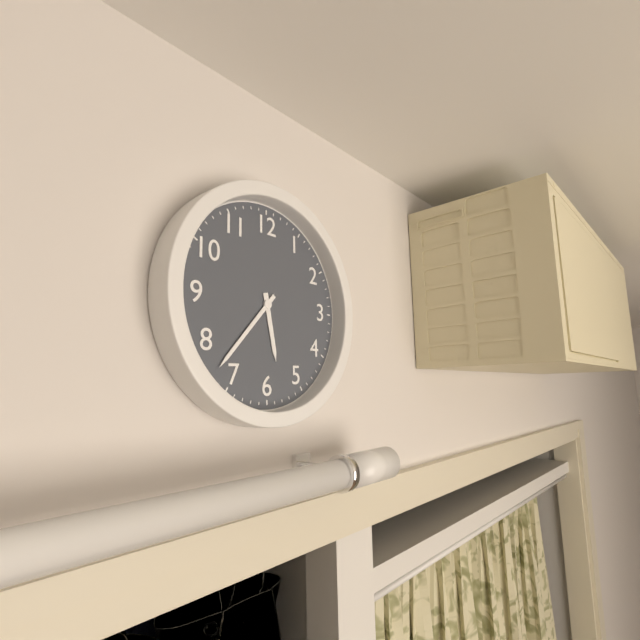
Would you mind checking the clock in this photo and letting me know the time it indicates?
5:37
